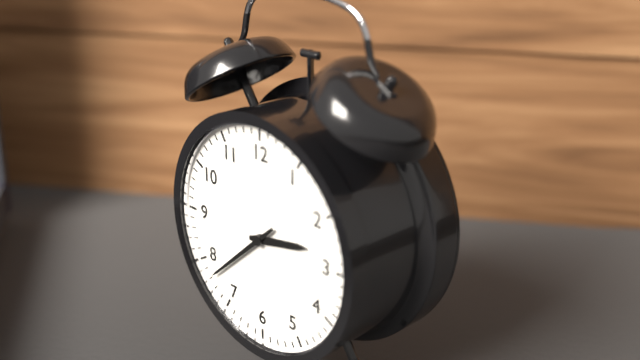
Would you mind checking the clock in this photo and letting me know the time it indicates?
2:38
